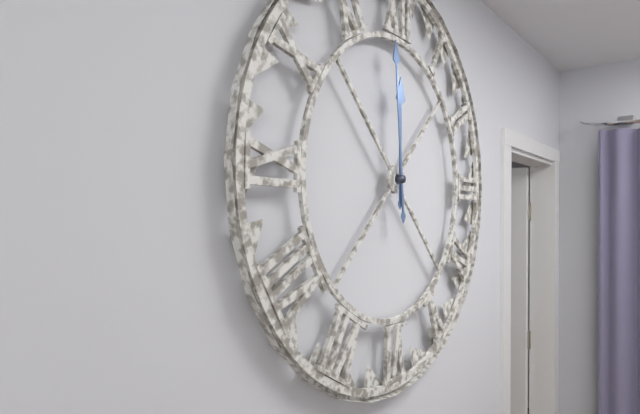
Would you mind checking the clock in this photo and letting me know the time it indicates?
11:59
